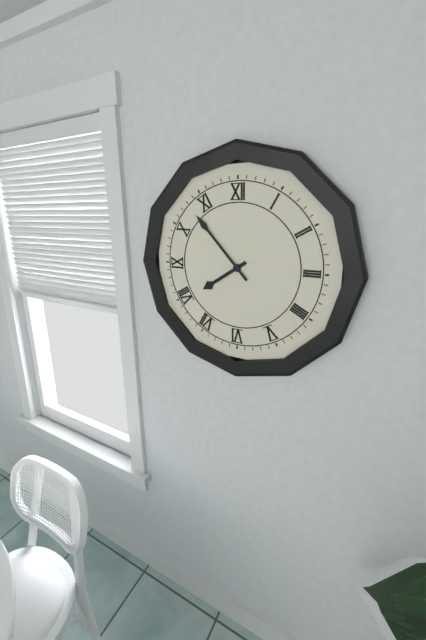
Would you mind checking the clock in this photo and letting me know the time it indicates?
7:53
